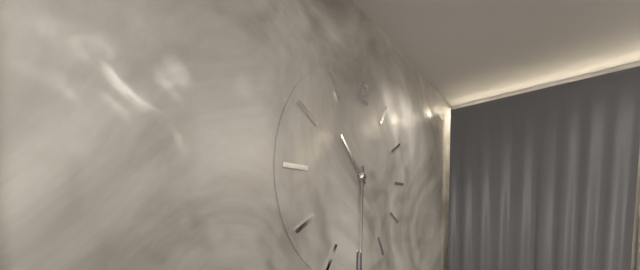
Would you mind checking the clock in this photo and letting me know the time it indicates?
10:30
